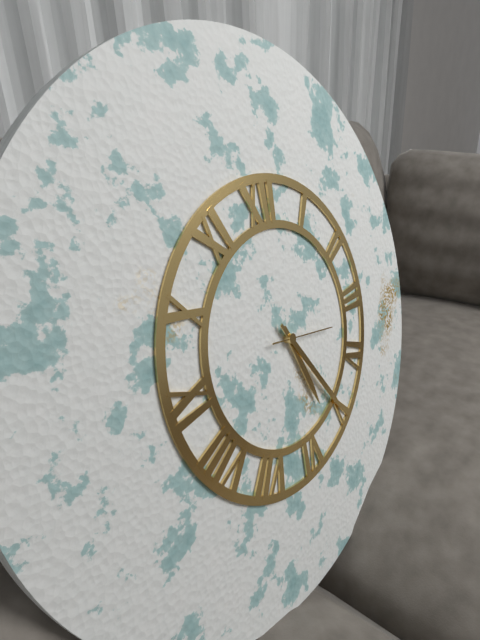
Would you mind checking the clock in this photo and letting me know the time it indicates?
5:25:17
